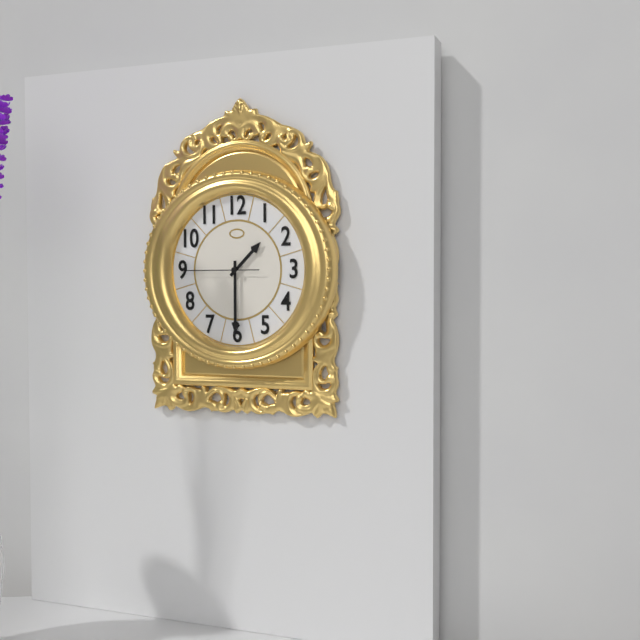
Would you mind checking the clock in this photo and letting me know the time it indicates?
1:30:45
